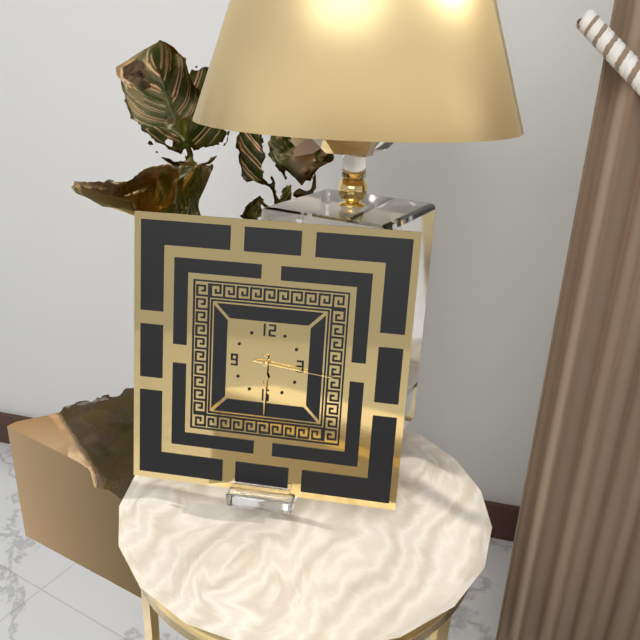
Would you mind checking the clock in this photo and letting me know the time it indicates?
6:30:16
